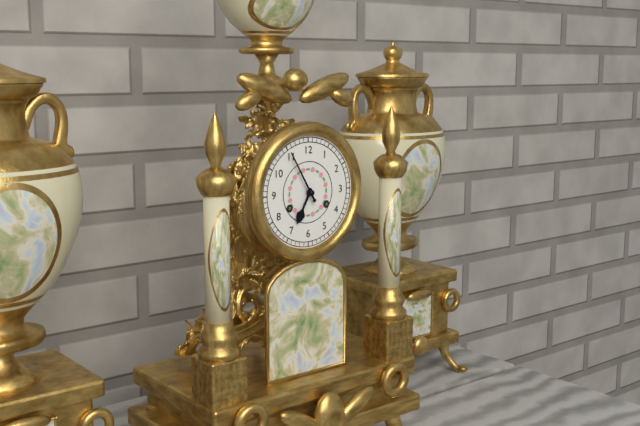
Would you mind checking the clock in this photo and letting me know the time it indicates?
6:55
